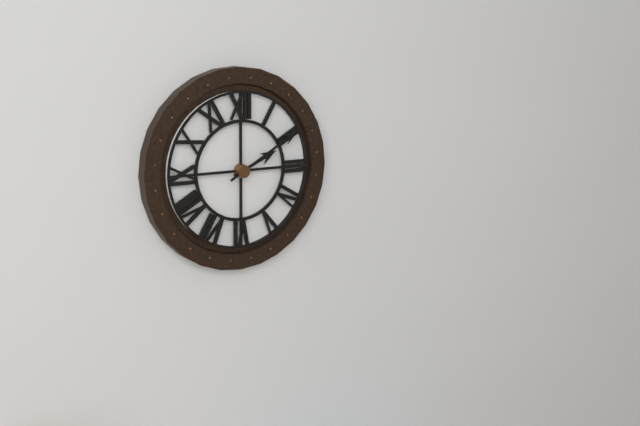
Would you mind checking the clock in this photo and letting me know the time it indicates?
2:10
